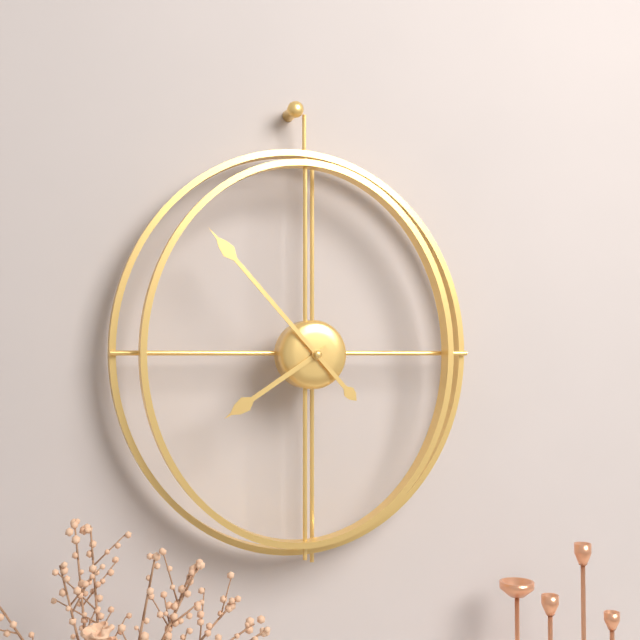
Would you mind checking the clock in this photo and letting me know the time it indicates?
7:53
